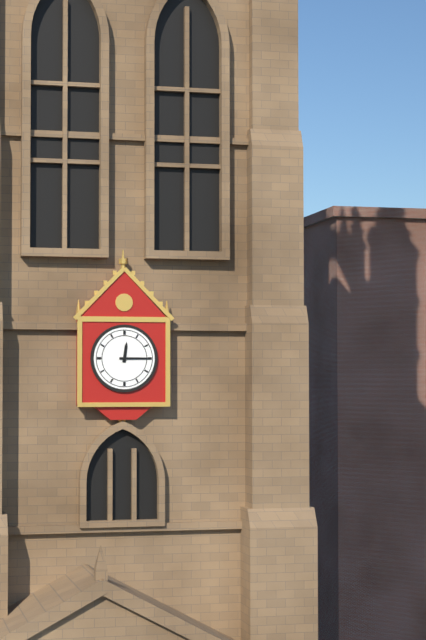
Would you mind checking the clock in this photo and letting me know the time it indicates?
12:15
